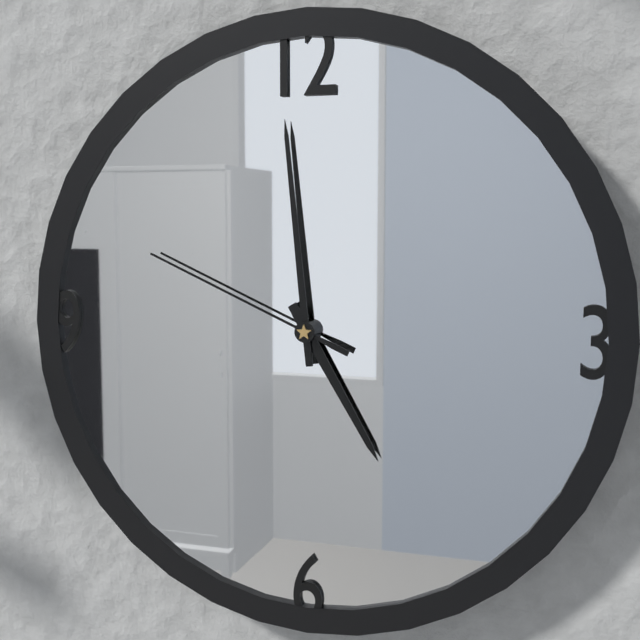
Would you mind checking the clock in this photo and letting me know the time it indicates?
4:59:49
